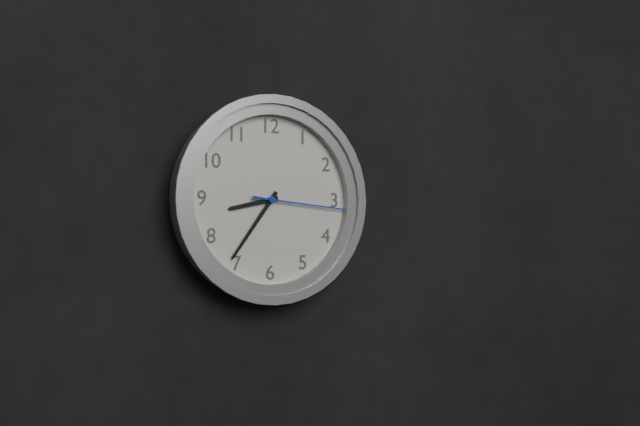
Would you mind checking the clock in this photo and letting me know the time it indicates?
8:36:16
